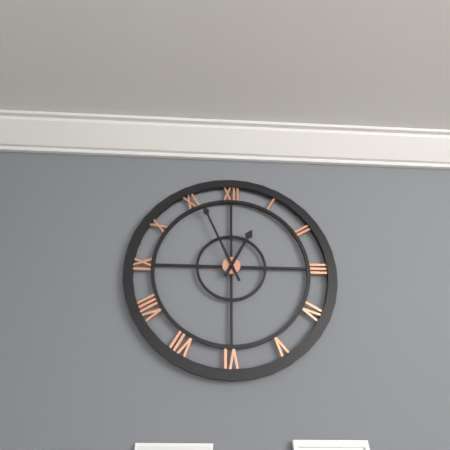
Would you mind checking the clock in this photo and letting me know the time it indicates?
12:56
